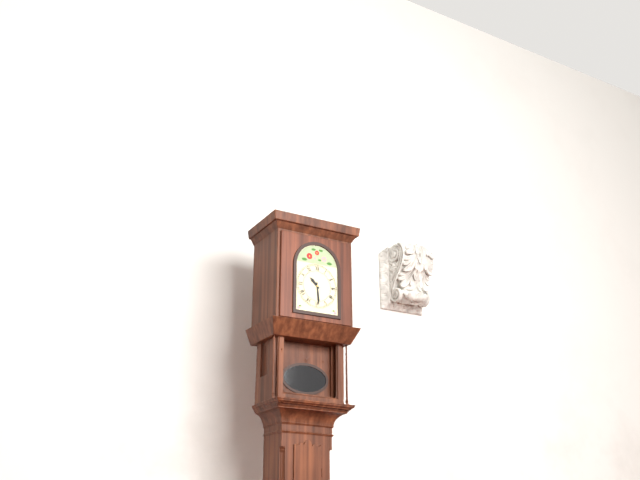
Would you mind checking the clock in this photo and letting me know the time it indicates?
10:29
